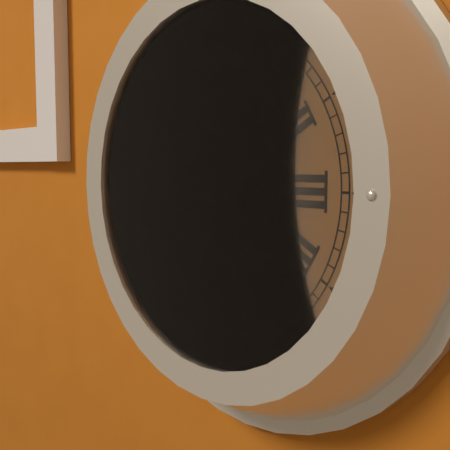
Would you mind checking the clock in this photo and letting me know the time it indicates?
11:27
